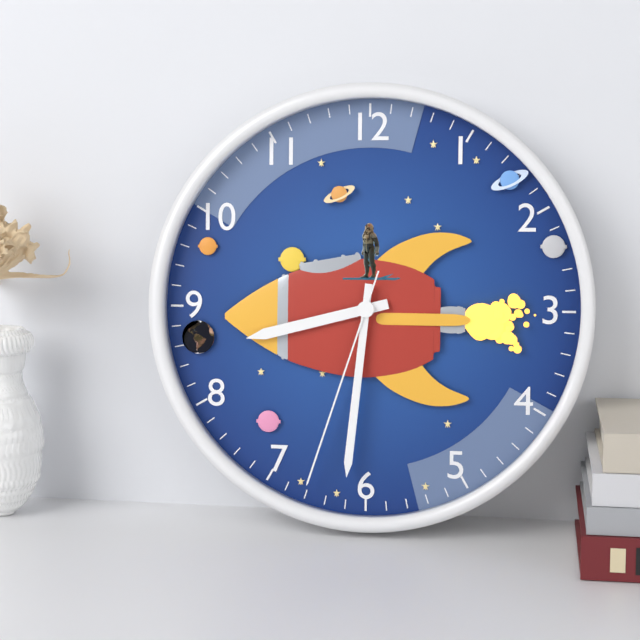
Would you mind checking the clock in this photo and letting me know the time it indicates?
8:31:33
